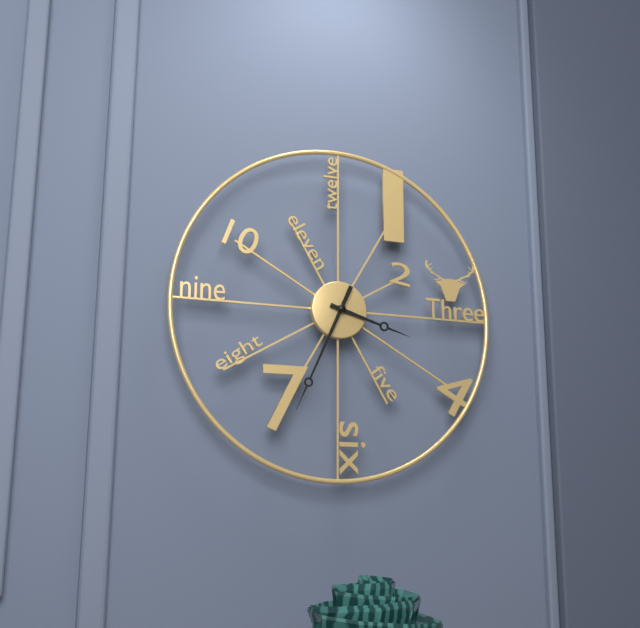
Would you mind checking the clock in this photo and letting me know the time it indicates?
3:34
